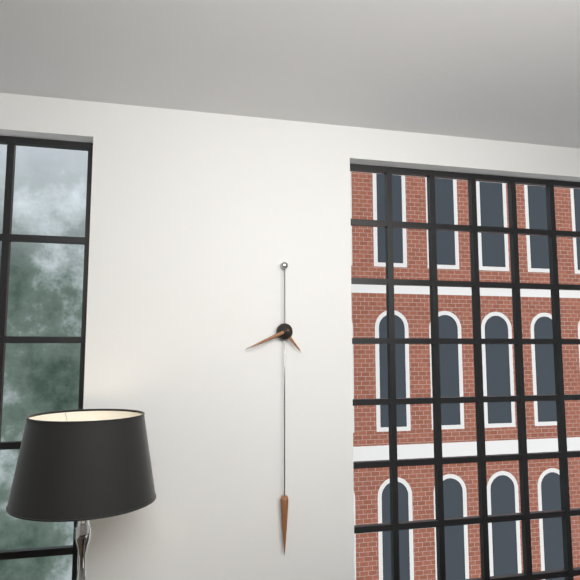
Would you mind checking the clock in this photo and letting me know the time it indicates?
4:41
